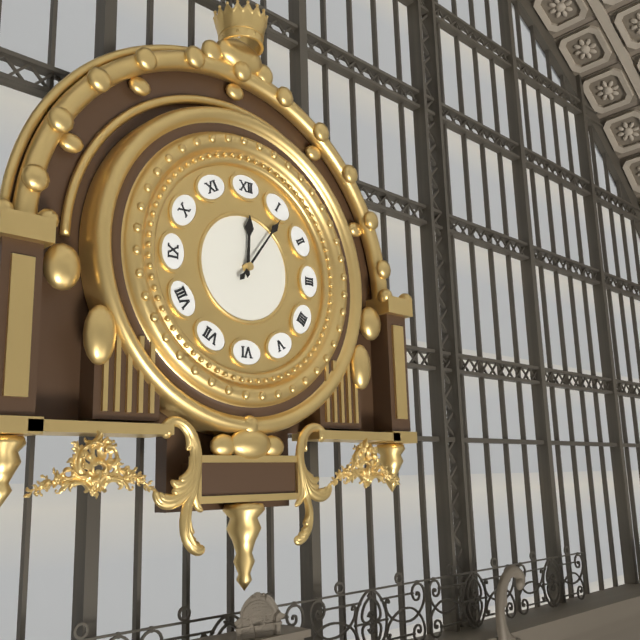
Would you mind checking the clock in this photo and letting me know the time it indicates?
12:06
